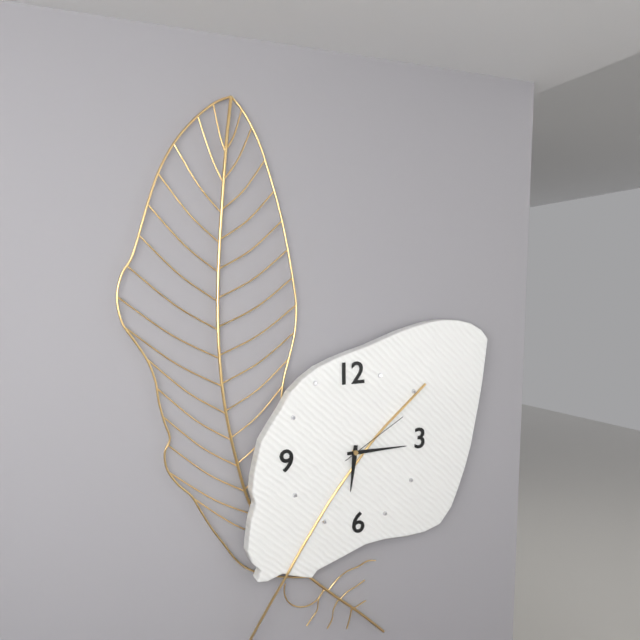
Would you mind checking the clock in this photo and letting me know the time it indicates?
6:15:10
